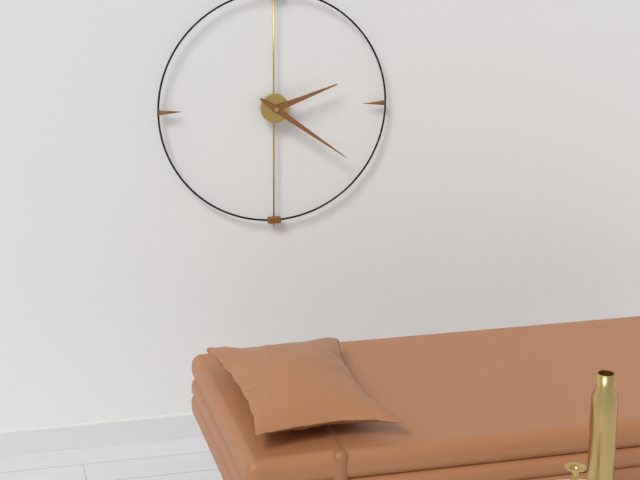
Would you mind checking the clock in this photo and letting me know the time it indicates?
2:21
